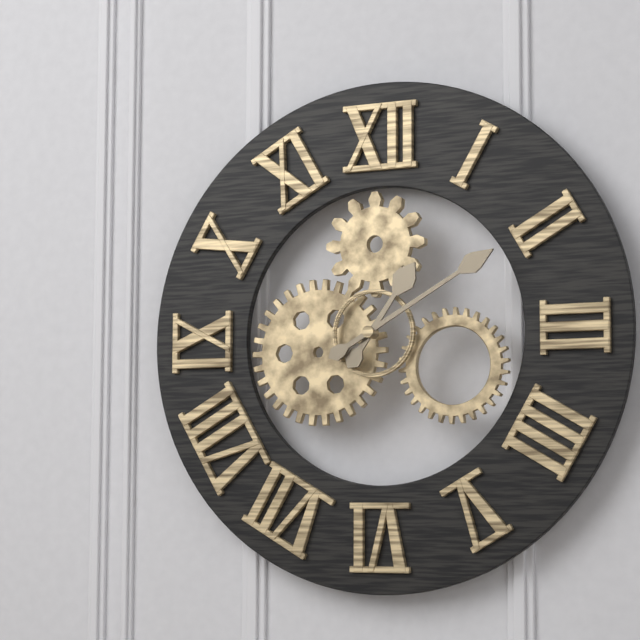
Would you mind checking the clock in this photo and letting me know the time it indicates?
1:10
